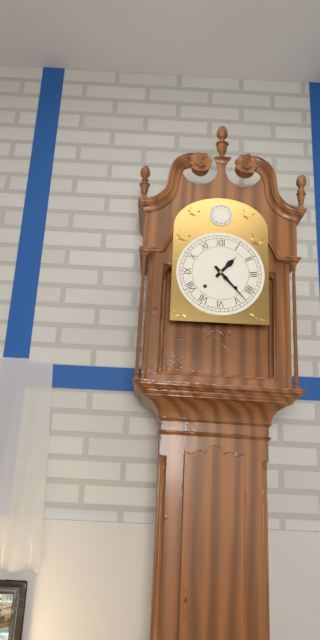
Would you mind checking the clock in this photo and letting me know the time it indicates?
1:23
